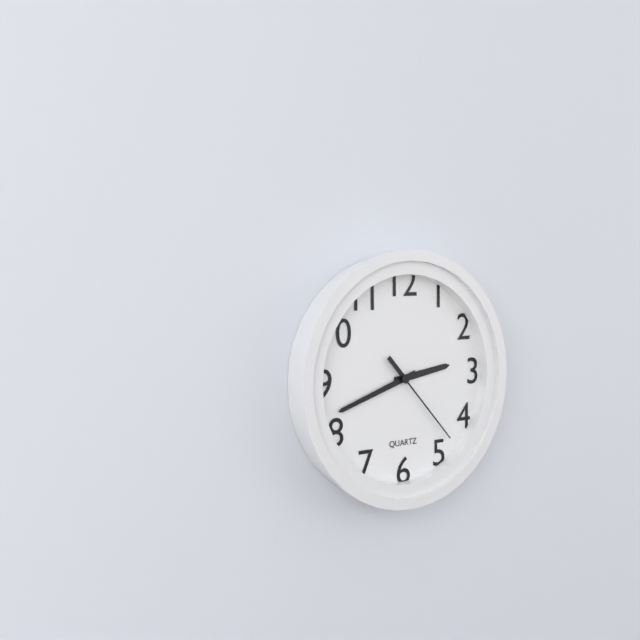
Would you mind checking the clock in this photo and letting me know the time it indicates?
2:42:23
